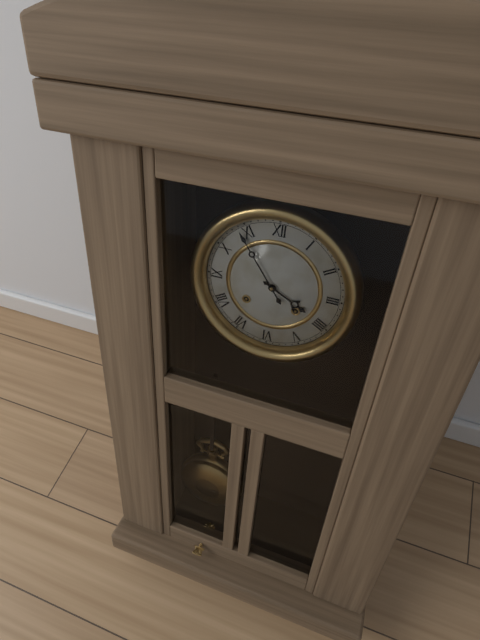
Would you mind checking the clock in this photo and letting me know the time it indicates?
3:54
